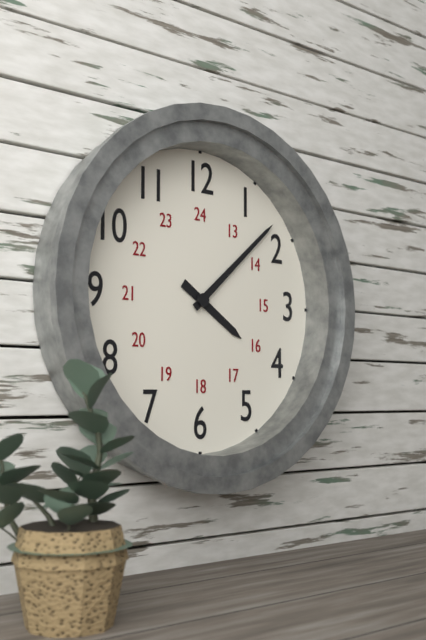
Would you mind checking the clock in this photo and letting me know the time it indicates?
4:08
